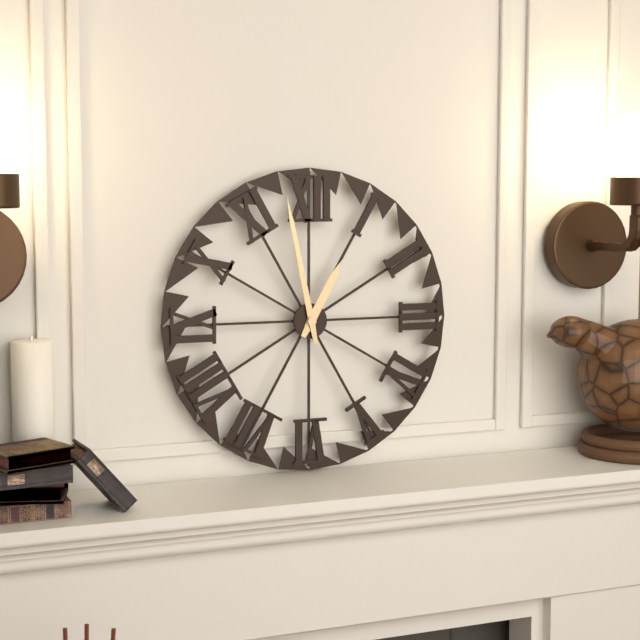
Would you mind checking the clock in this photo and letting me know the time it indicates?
12:58
